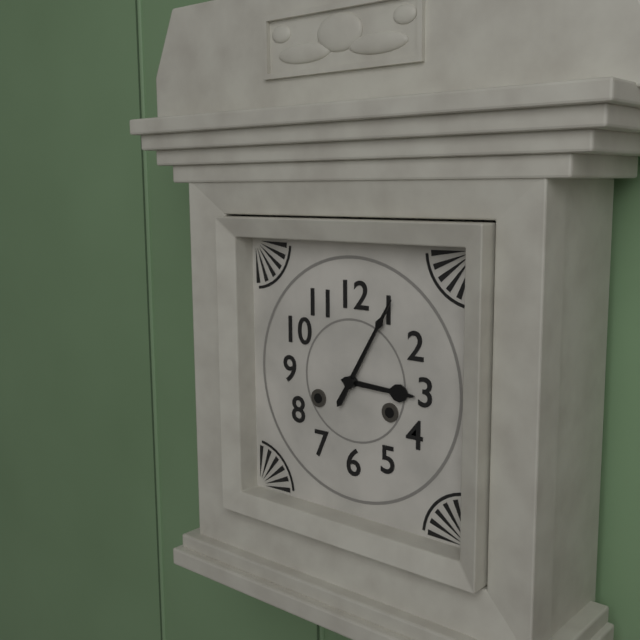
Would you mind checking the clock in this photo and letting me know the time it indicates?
3:05
